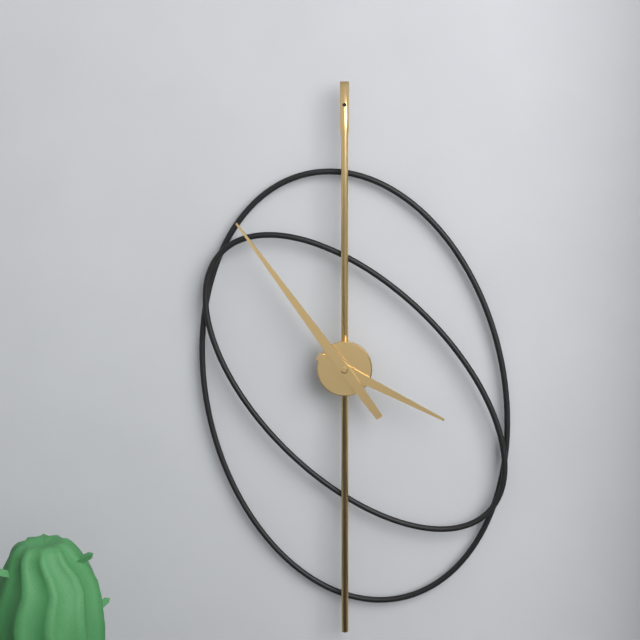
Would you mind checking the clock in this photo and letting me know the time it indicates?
3:54
